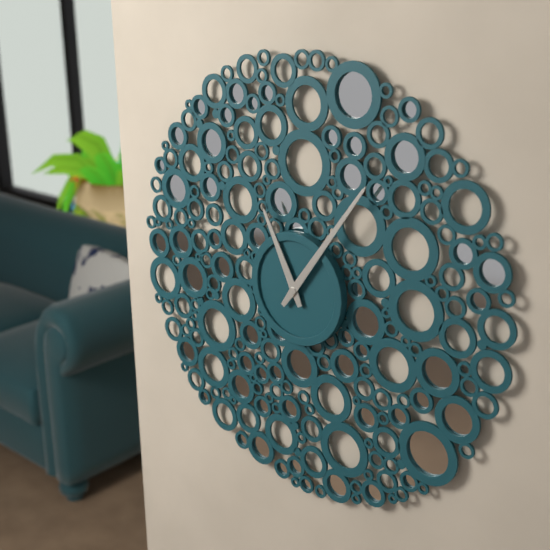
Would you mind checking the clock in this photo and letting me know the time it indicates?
11:06
